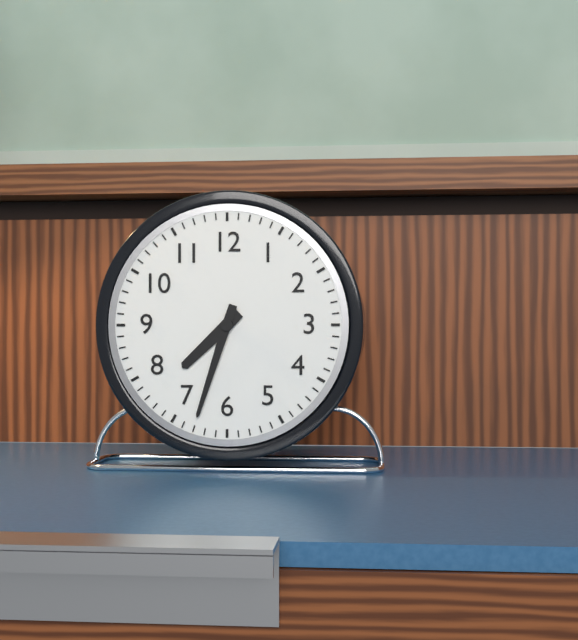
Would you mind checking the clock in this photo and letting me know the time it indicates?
7:33
